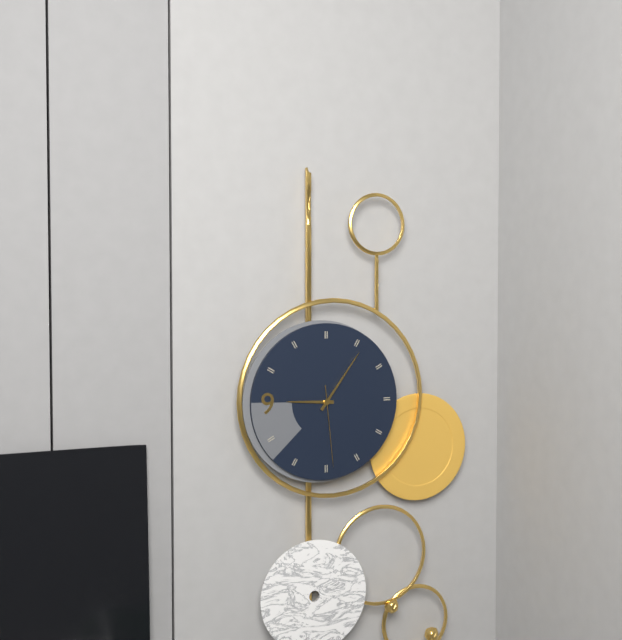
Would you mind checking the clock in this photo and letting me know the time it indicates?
9:06:29
